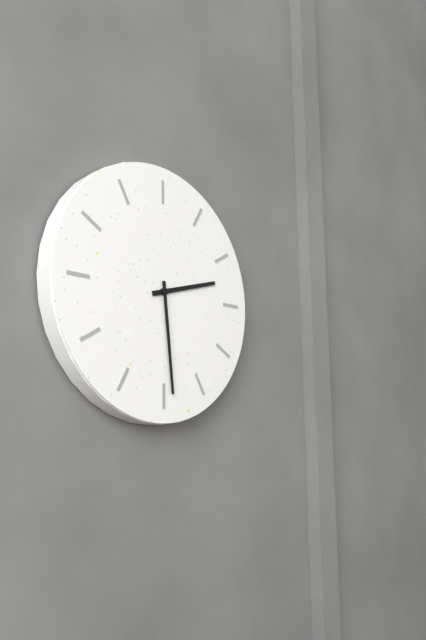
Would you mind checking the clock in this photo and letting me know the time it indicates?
2:29
